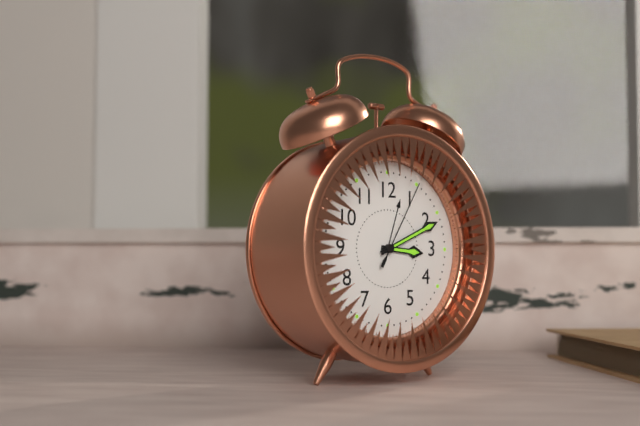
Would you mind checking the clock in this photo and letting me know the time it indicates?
3:11:05
